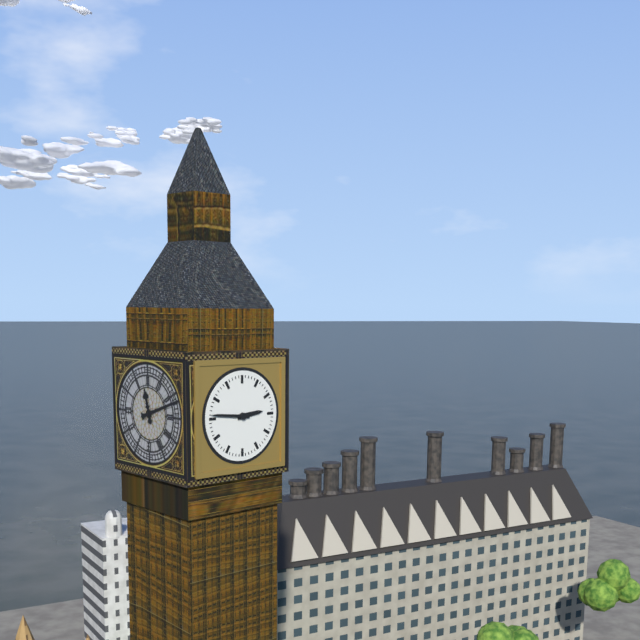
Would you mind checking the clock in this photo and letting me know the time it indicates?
2:46
